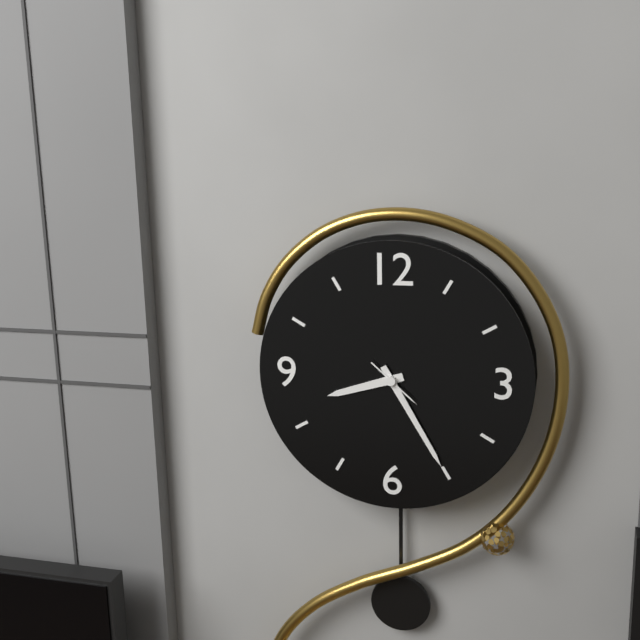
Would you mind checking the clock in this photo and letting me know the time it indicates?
8:25
